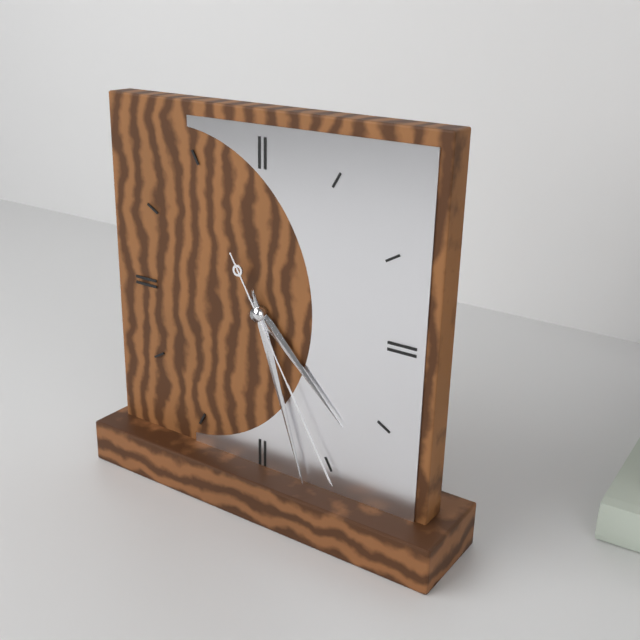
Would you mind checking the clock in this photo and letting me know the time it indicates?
4:27:25
